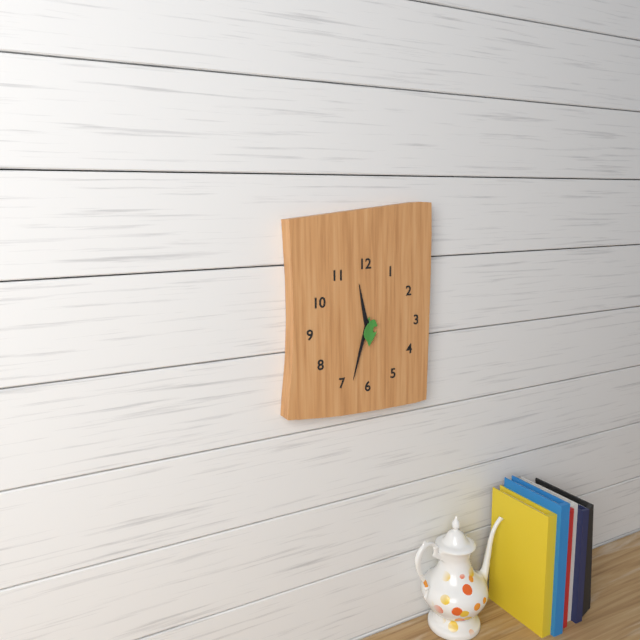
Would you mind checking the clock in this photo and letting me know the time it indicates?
11:33
